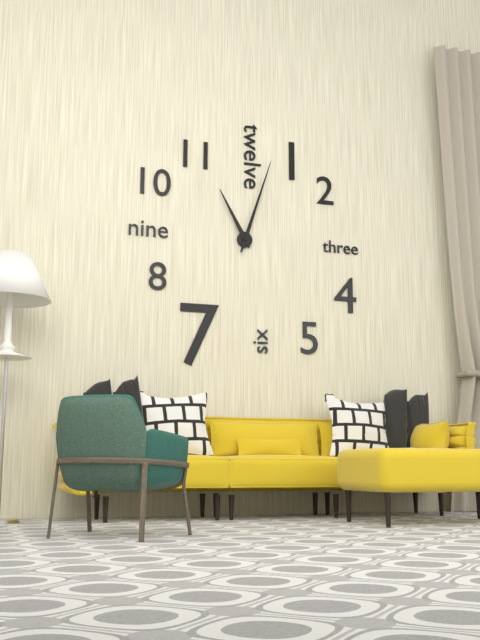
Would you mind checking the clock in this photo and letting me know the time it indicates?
11:03
